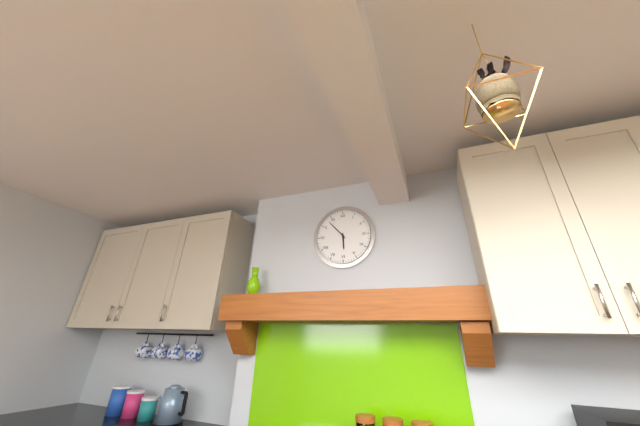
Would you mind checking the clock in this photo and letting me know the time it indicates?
5:53
